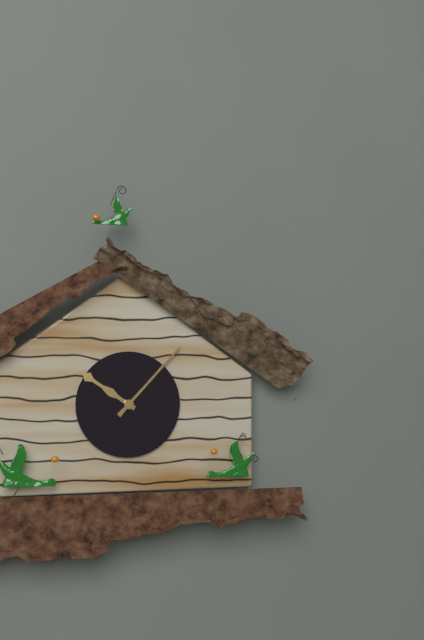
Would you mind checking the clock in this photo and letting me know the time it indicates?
10:07
